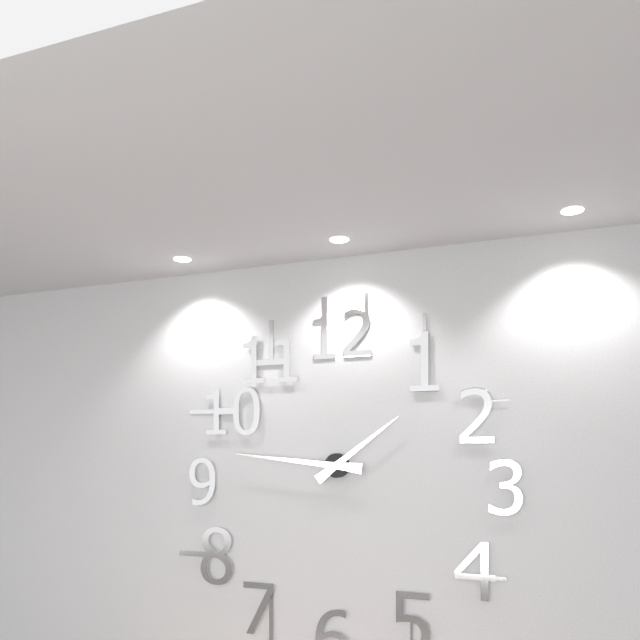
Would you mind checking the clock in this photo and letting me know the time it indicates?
1:46
